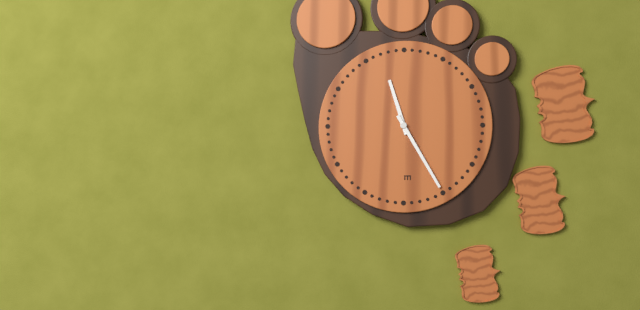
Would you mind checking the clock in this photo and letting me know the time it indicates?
11:25
